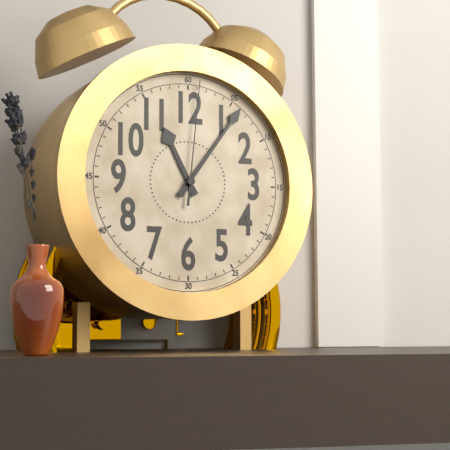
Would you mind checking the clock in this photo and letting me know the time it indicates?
11:06:01
